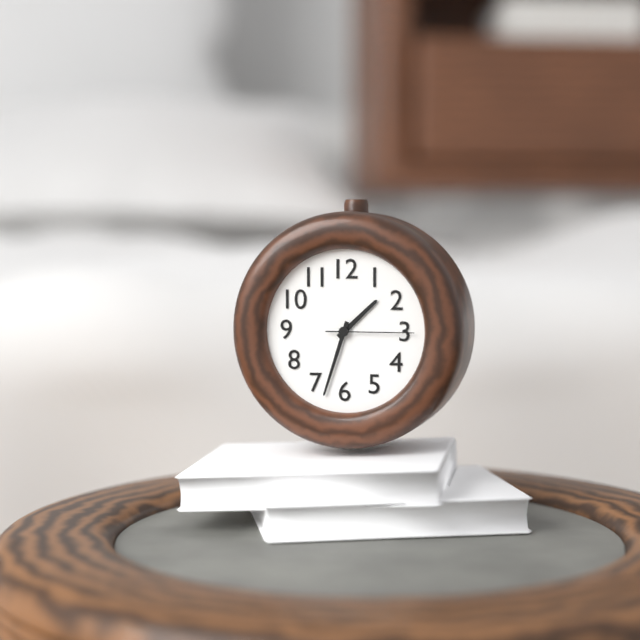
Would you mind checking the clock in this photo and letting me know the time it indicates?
1:33:15
